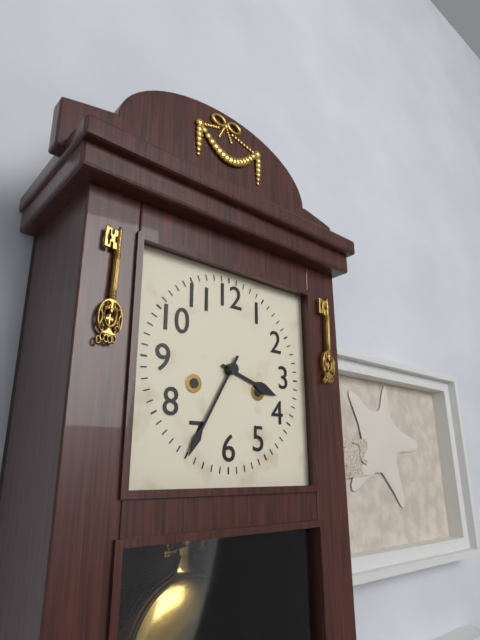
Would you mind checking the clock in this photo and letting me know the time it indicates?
3:35
